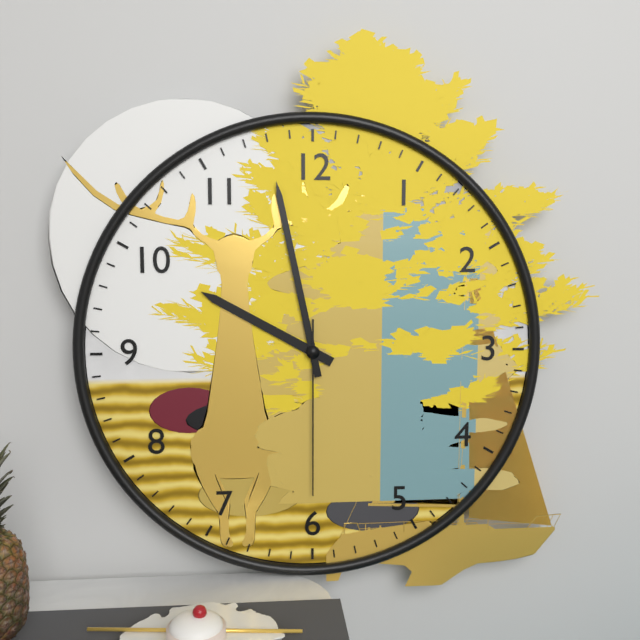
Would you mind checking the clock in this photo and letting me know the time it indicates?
9:58:30
